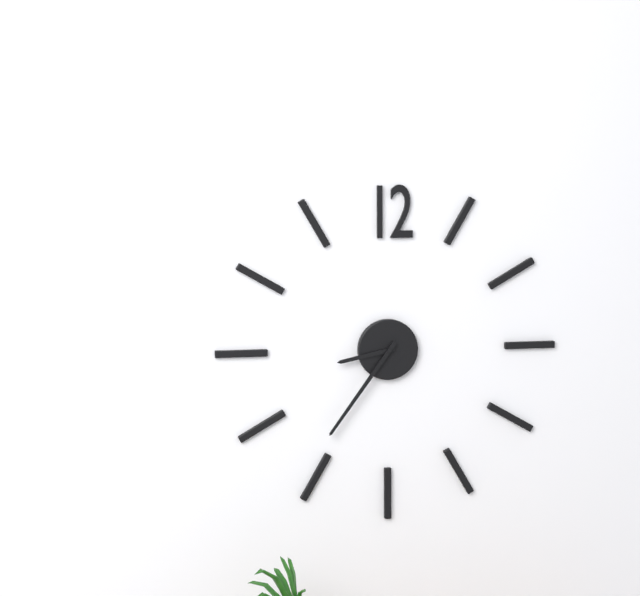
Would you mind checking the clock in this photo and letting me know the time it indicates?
8:36
